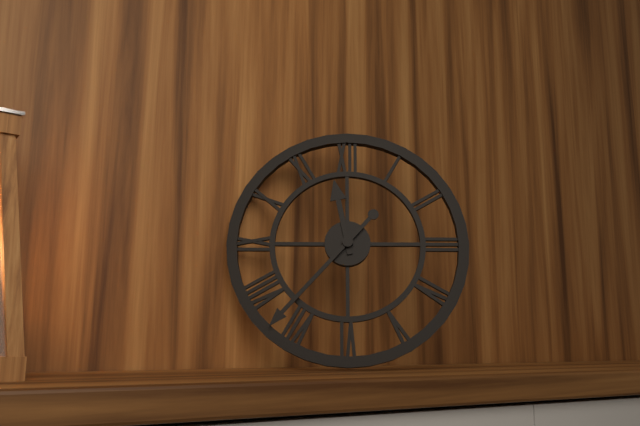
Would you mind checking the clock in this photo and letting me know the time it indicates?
11:37
